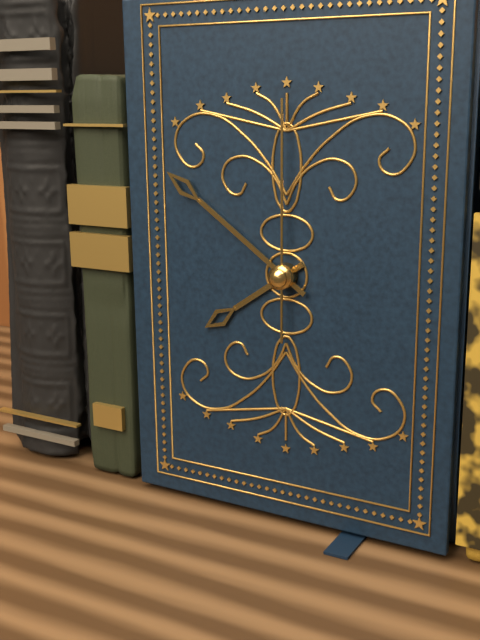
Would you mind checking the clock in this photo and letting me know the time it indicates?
7:51:00
